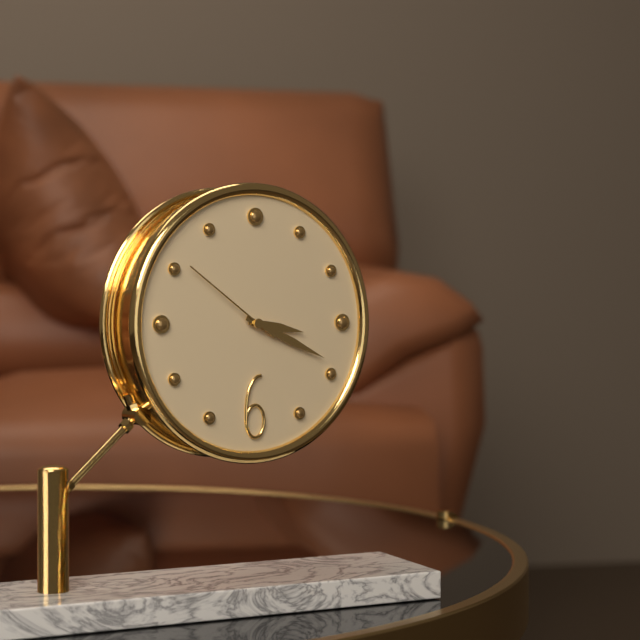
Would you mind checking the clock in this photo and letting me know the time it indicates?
3:19:51
